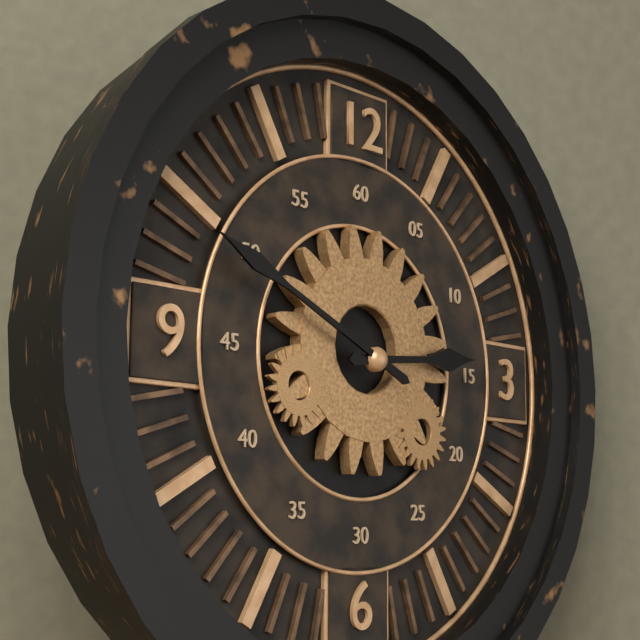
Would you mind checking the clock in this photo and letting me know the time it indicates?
2:49
